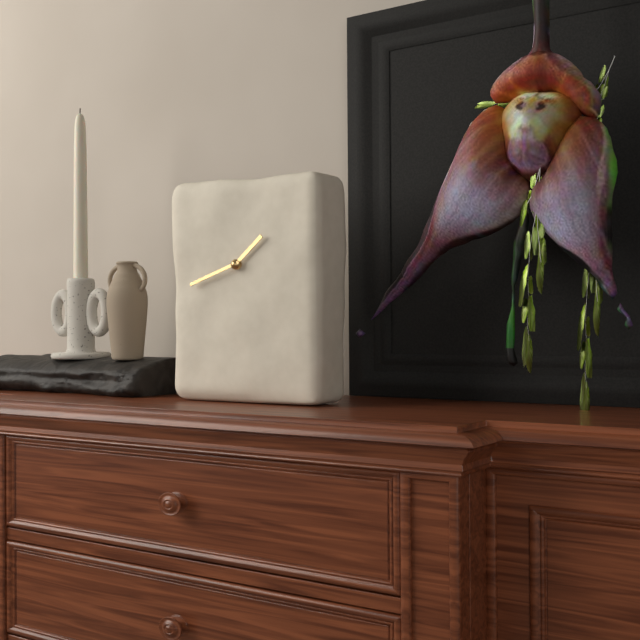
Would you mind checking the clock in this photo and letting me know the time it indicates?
1:42
